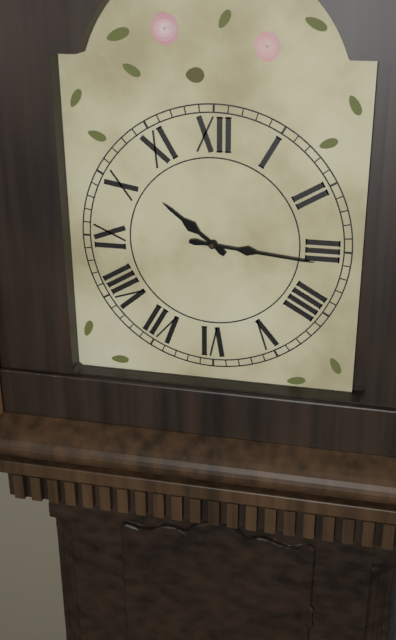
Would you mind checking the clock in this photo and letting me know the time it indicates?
10:16
